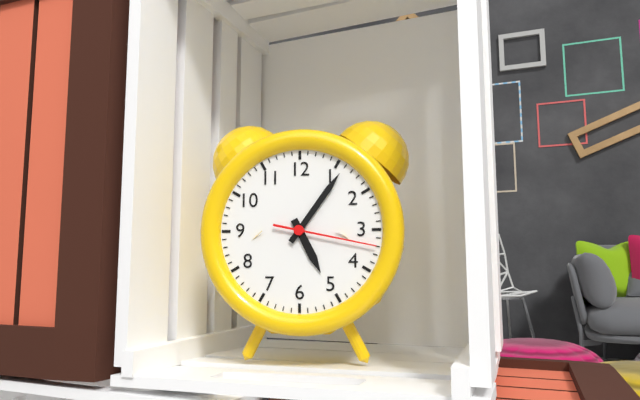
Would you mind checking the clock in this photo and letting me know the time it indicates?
5:06:17
